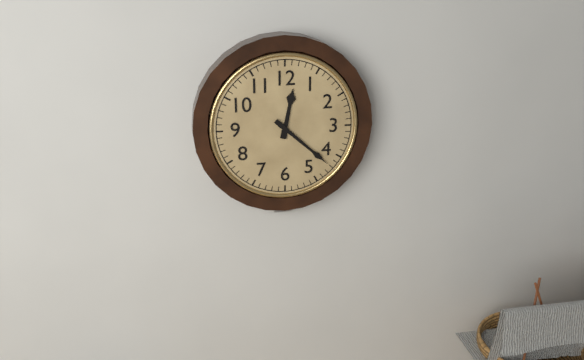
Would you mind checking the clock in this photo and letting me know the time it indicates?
12:22
